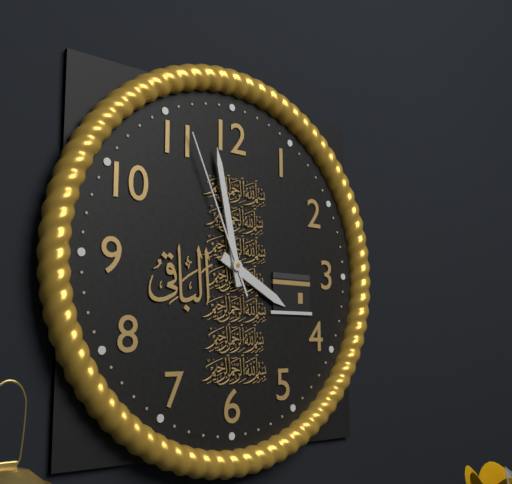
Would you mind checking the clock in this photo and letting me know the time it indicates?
3:58:56
